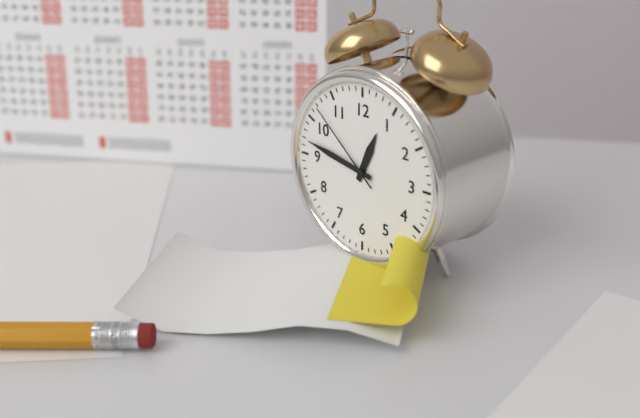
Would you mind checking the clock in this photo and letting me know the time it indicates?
12:47:52
